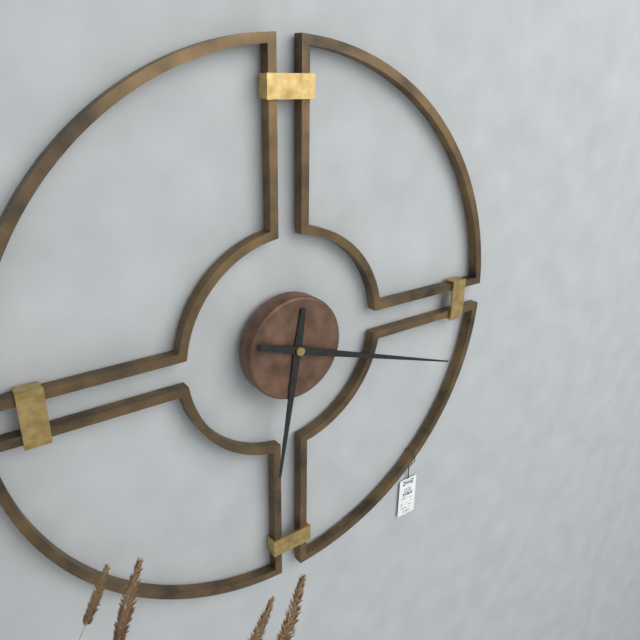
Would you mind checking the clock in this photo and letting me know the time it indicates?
6:18
